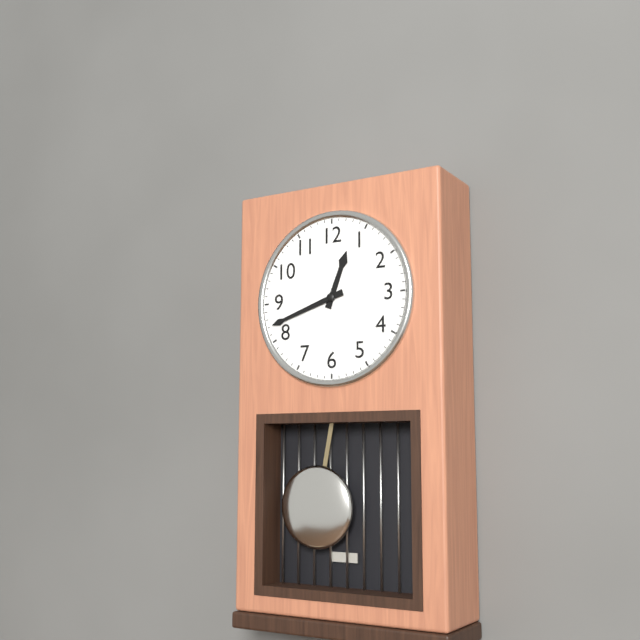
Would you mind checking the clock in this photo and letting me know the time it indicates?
12:42
